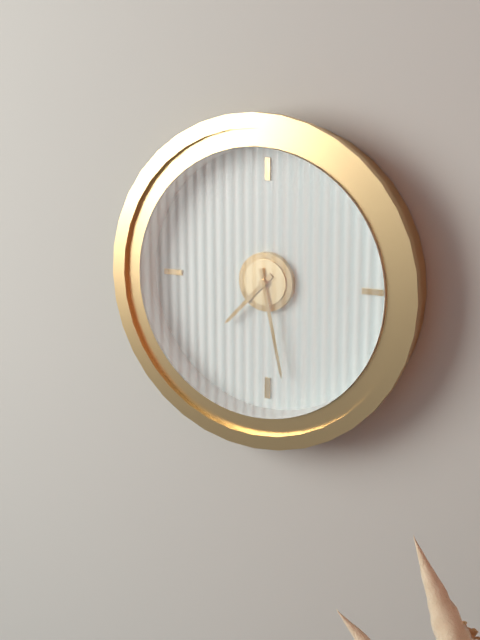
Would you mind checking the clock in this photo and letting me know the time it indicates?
7:28
